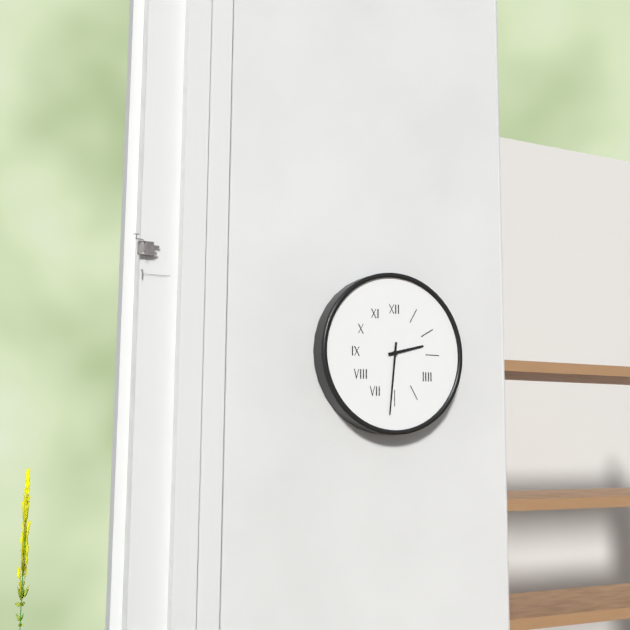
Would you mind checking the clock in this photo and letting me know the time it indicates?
2:31
